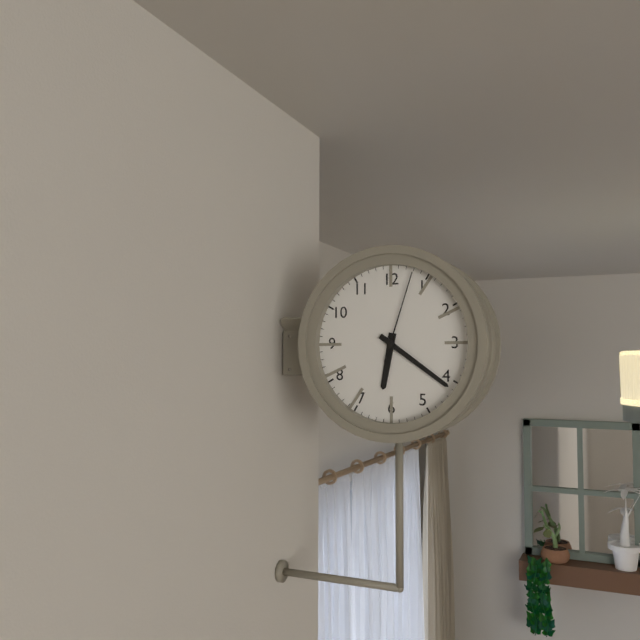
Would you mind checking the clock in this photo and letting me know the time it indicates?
6:21:03
